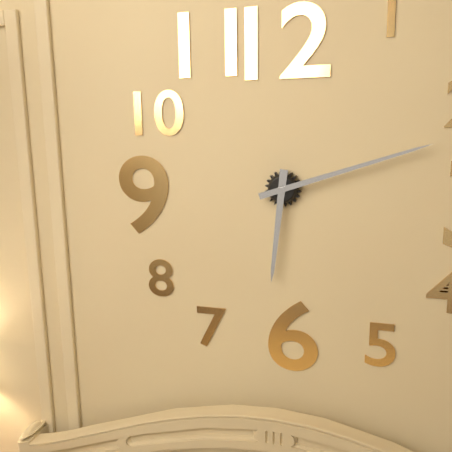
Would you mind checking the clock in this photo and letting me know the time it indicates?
6:12
